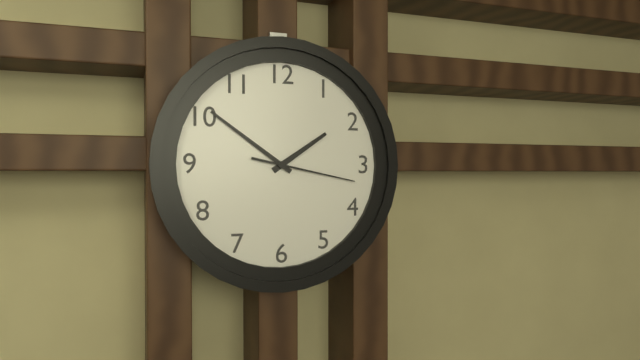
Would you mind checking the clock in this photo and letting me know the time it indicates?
1:51:17
